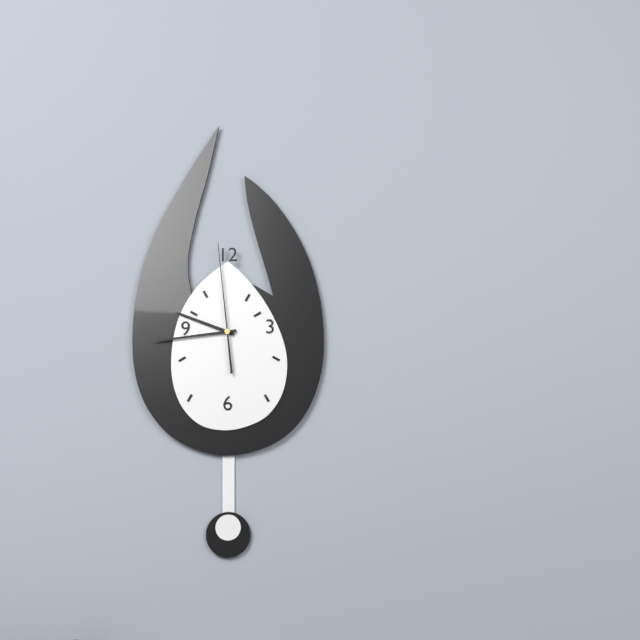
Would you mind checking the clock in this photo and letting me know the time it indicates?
9:44:59
